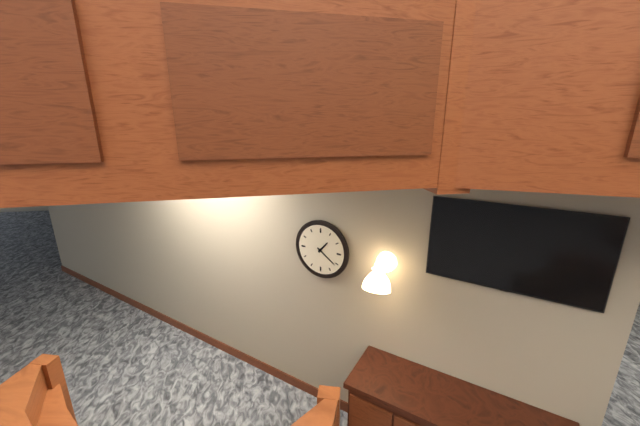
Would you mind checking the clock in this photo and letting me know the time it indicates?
1:21
